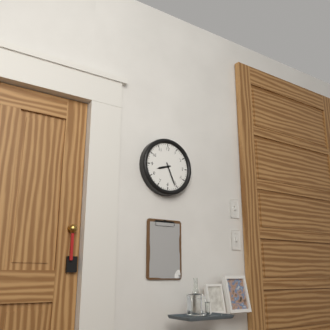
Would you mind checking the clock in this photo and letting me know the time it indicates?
8:26
